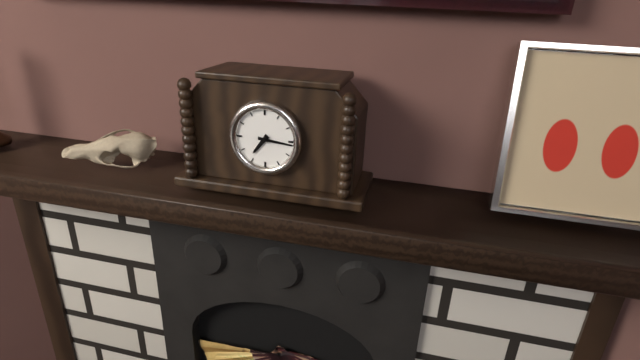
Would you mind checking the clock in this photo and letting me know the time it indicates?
7:16
